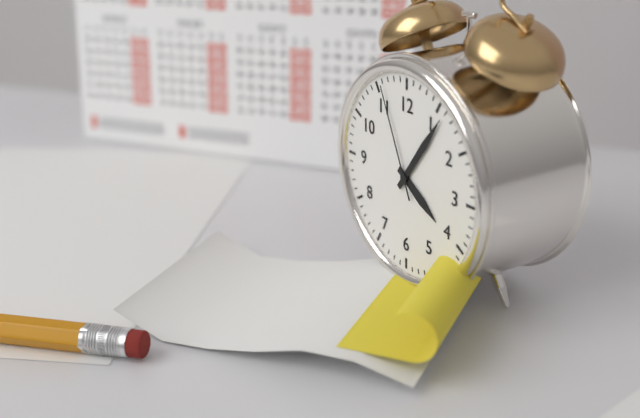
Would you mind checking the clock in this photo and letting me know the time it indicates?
4:06:56
